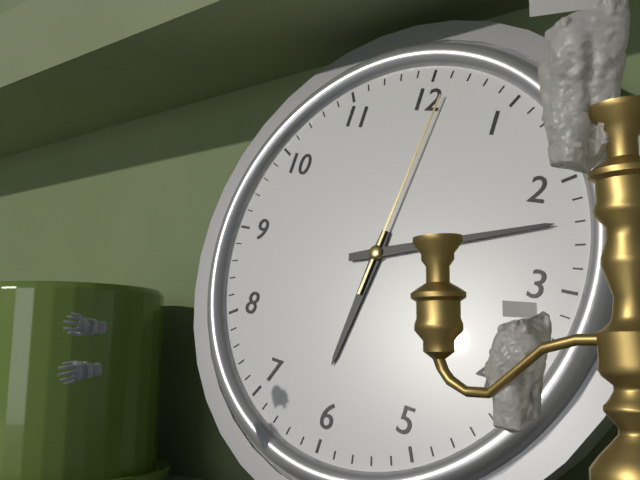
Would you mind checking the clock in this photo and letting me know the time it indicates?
6:12:01
